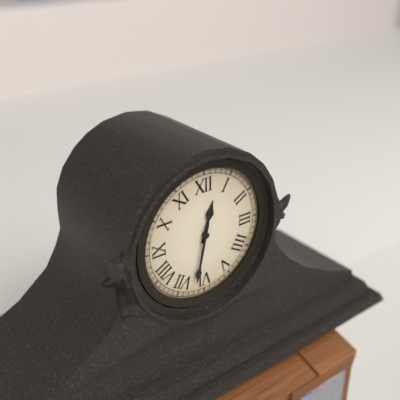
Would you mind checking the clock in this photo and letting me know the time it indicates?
12:32
